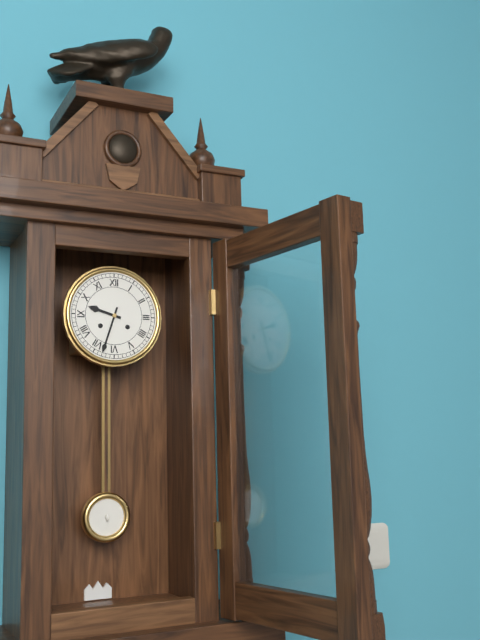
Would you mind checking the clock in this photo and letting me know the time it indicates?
9:33
